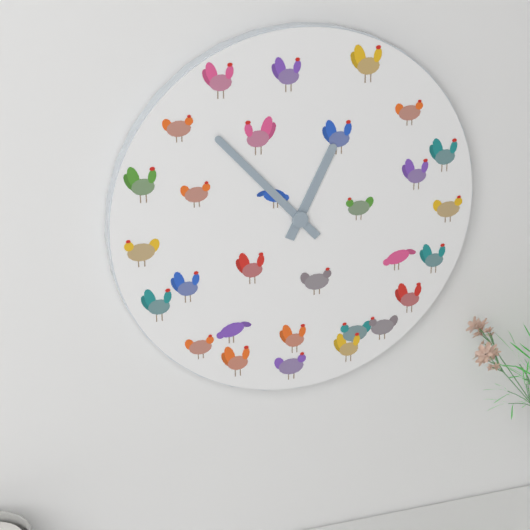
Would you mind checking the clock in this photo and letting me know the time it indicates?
12:53
